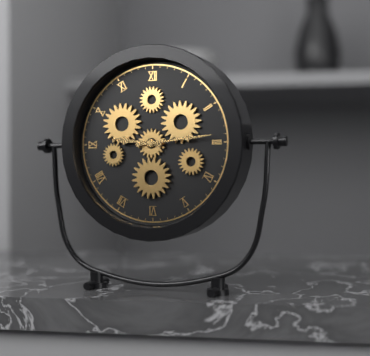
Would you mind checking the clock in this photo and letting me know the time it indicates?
9:14
